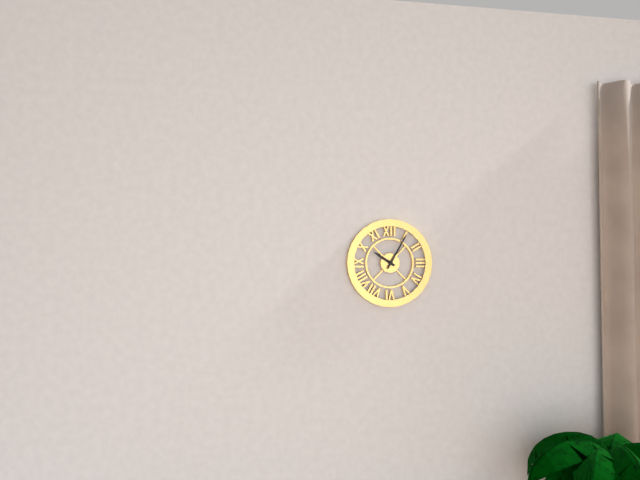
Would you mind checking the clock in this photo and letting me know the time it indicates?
10:05
